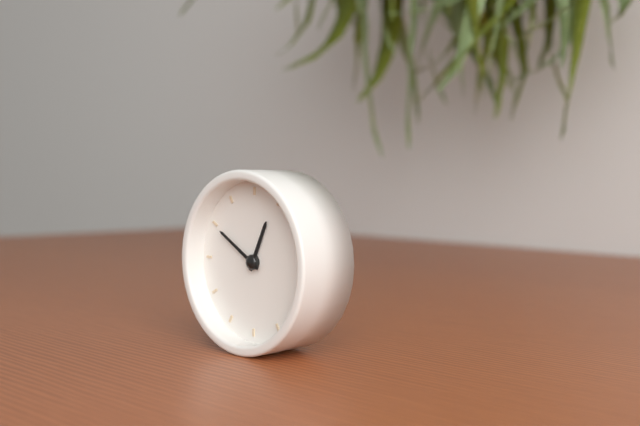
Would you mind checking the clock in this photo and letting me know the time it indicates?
12:50
